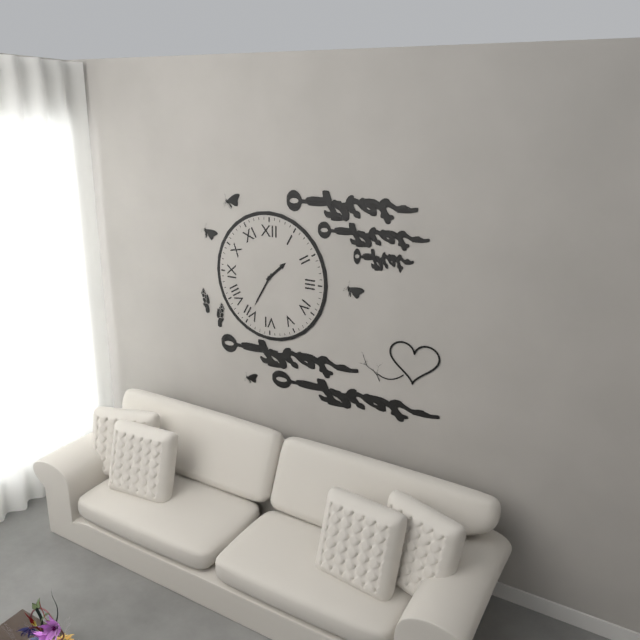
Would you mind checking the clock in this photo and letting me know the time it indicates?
1:35
